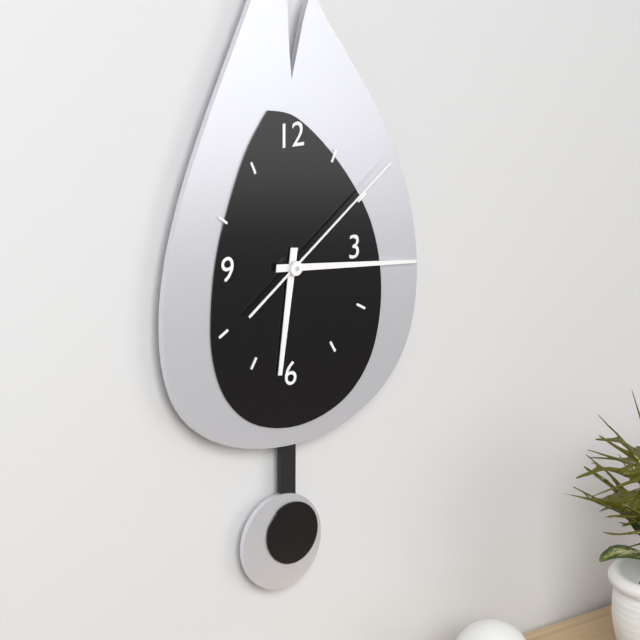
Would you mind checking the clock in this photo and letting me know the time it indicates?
6:16:09
